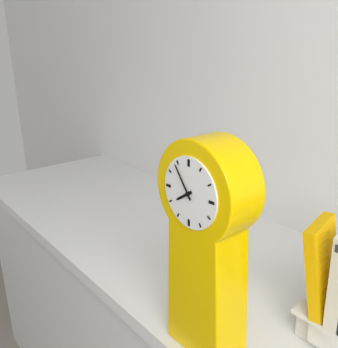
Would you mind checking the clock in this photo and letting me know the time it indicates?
7:54
